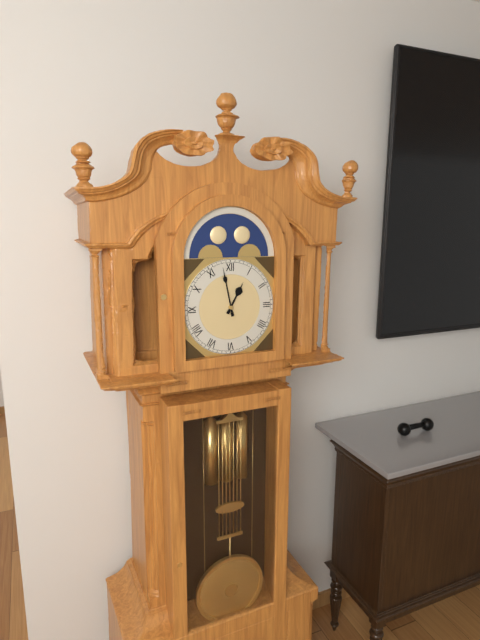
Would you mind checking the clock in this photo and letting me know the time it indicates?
12:58
